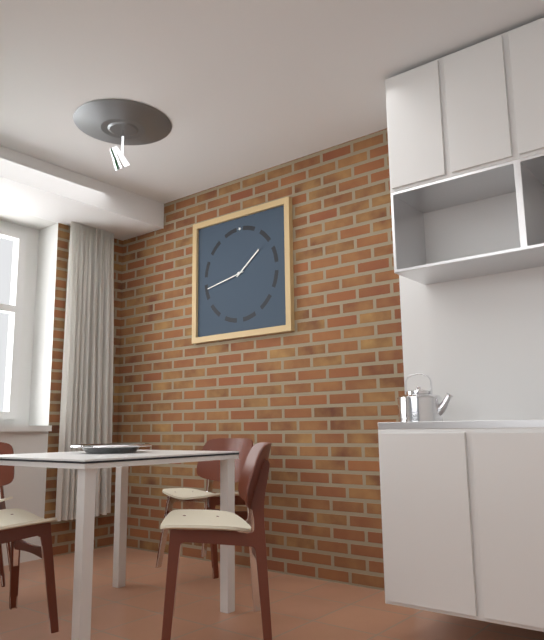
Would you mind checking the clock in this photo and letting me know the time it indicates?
1:43
